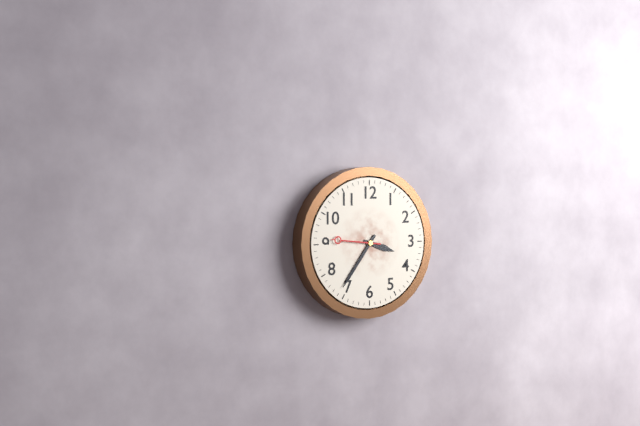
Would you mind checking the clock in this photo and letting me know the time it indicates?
3:36:46
